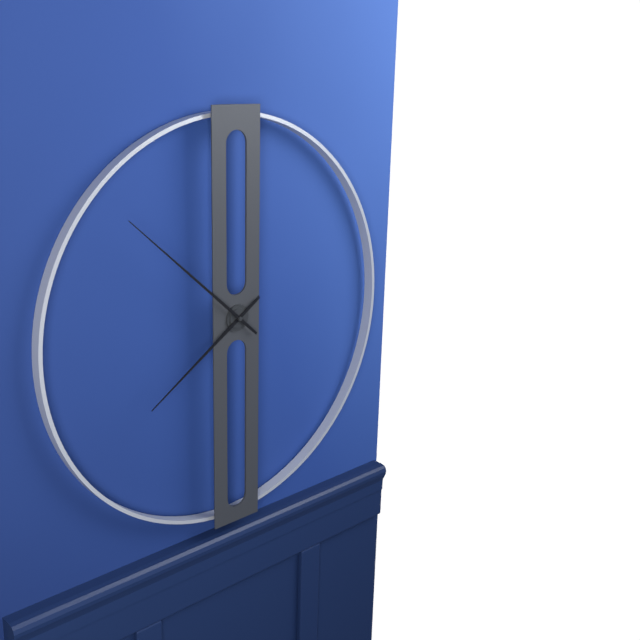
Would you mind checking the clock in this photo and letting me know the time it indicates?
7:52
